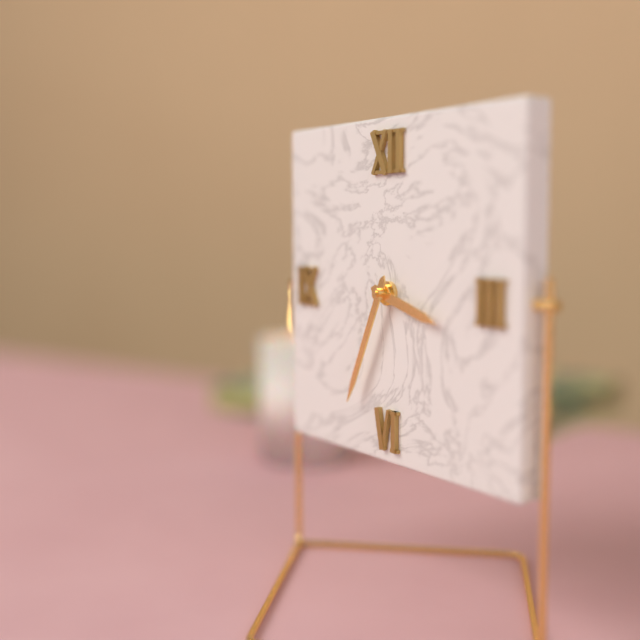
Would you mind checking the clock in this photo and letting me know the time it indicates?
3:34
